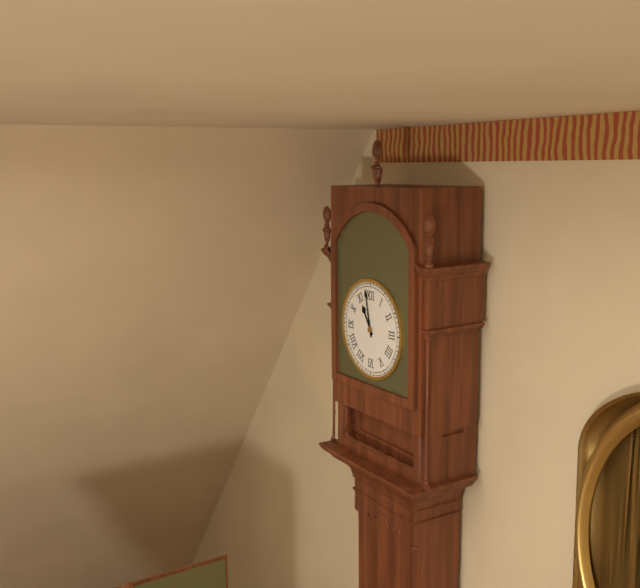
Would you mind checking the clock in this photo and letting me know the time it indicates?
10:58
